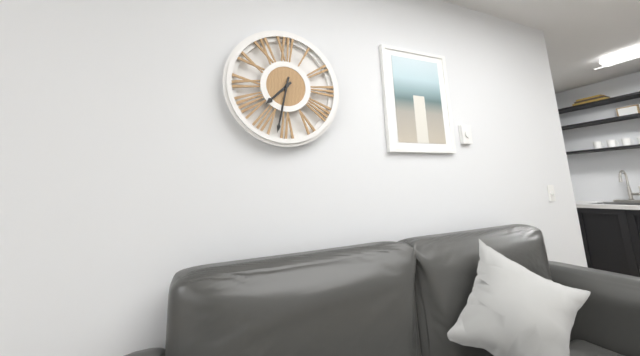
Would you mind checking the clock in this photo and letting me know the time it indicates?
7:32
